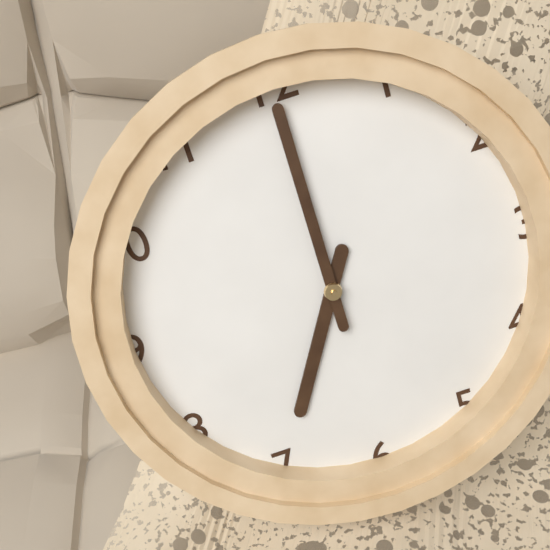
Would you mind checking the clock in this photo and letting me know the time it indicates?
7:00
